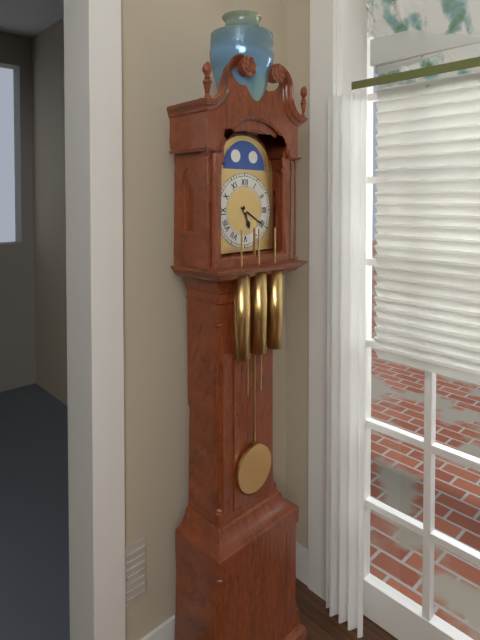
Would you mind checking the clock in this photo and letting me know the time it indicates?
5:20
